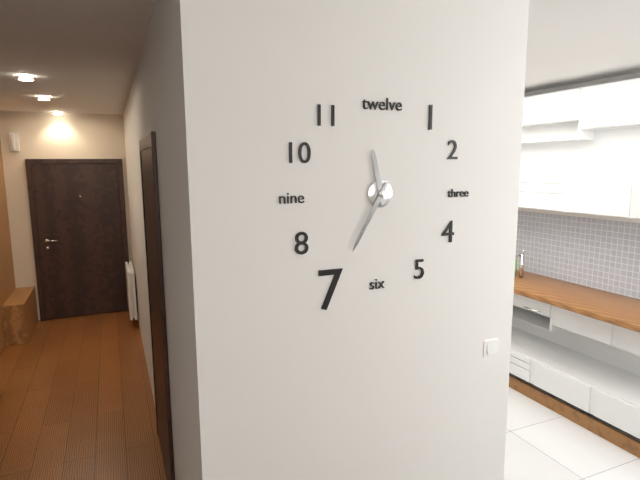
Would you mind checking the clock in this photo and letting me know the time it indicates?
11:35
